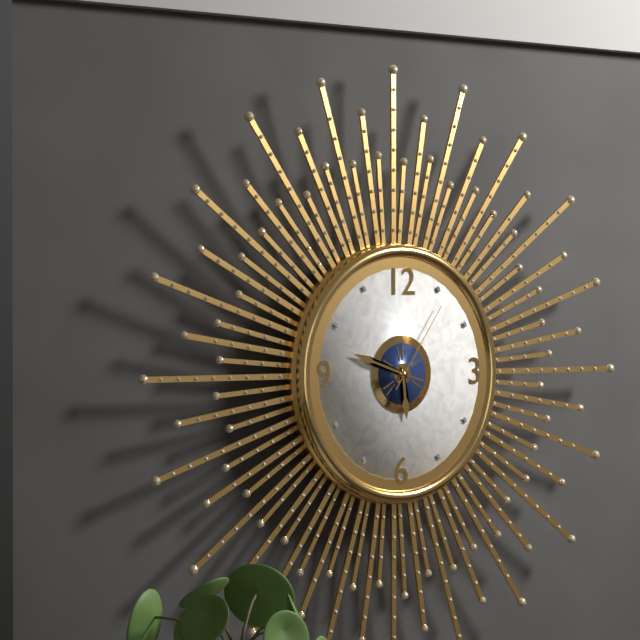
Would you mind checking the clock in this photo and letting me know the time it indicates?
5:48:06
